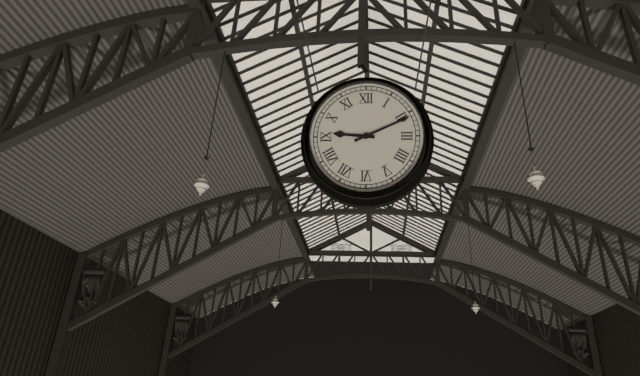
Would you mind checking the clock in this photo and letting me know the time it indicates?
9:11
